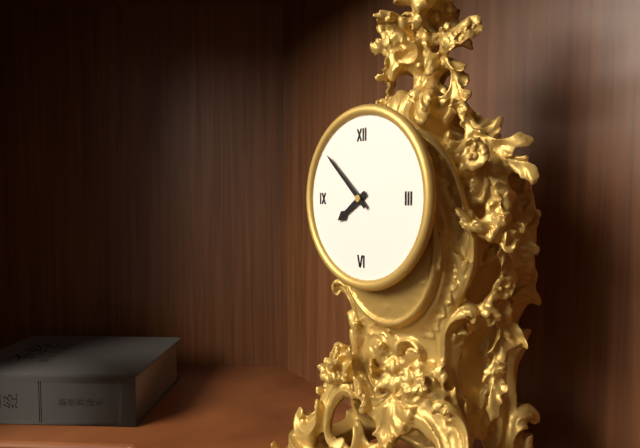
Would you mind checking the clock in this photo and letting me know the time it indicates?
7:52
